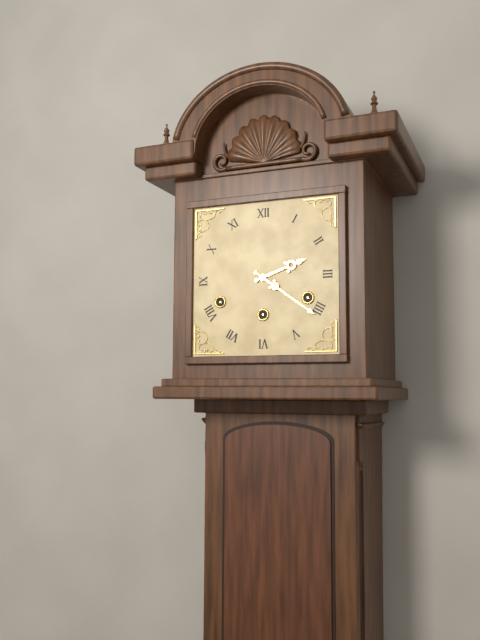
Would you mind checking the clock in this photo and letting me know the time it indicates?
2:21
